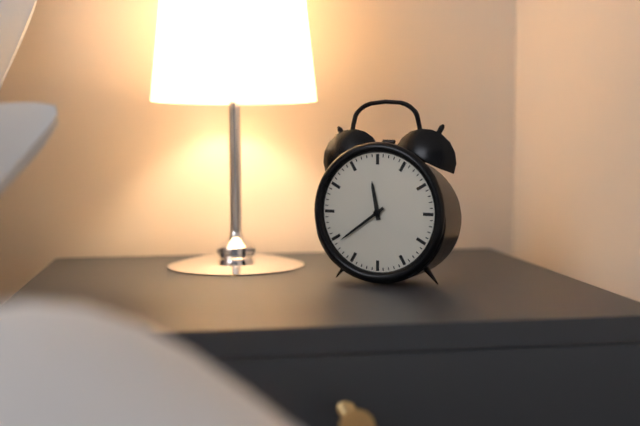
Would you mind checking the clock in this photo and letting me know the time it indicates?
11:39
